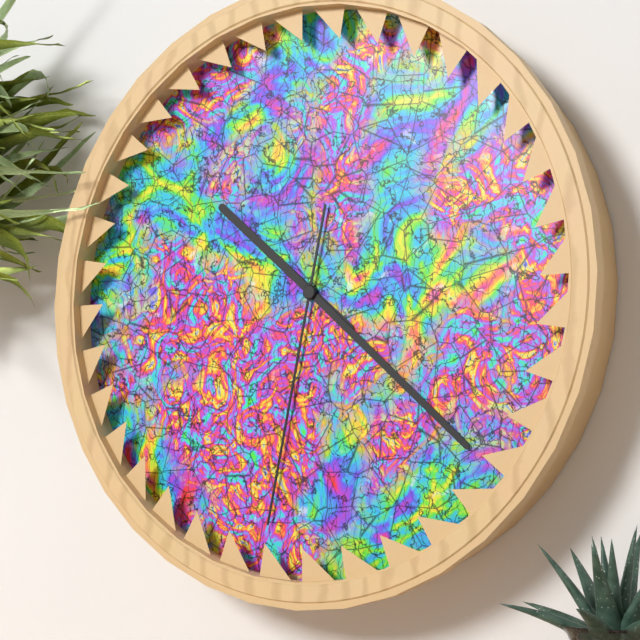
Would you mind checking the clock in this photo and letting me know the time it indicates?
10:22:32
